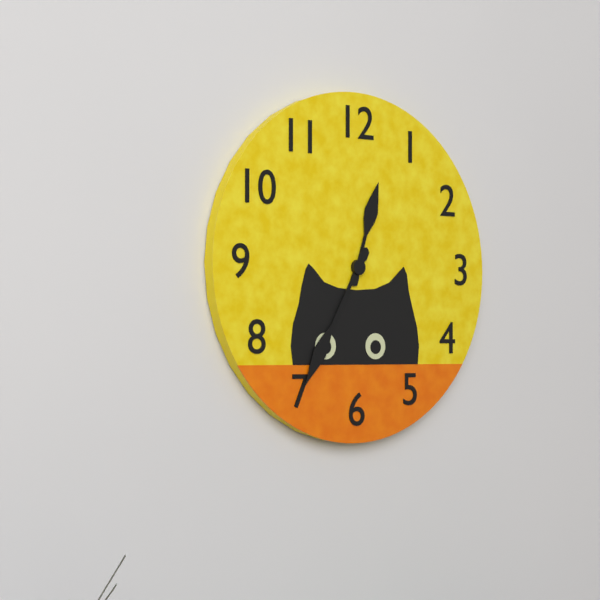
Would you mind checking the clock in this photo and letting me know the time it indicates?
12:35
